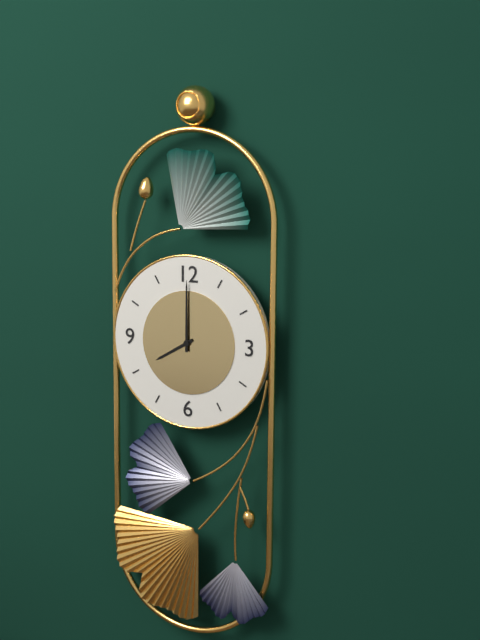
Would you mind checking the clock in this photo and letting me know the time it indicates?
8:00
